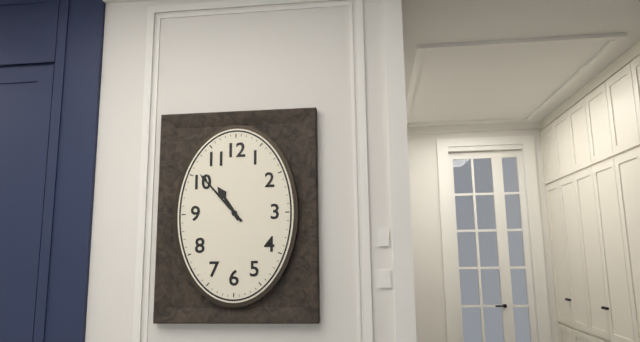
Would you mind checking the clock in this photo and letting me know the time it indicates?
10:53
